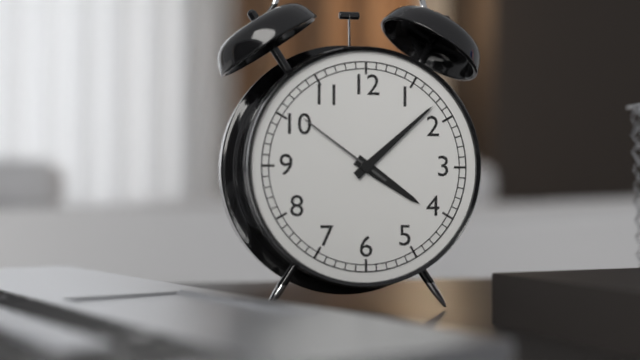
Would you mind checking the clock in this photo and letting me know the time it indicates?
4:08:51
